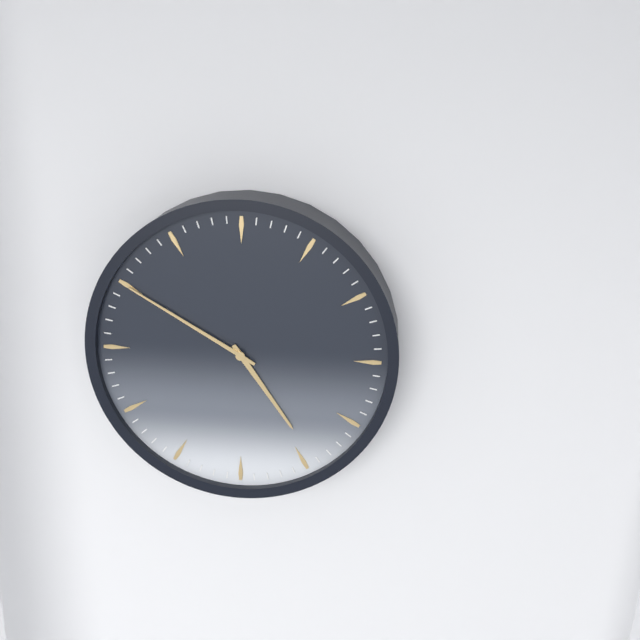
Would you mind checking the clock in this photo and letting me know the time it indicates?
4:50
